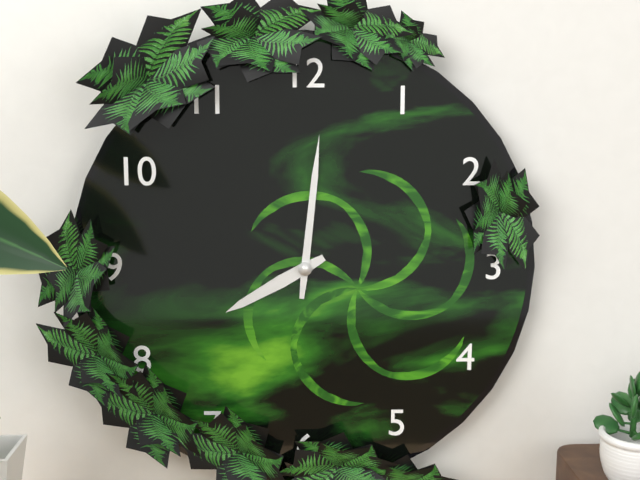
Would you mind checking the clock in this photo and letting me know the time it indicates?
8:01
